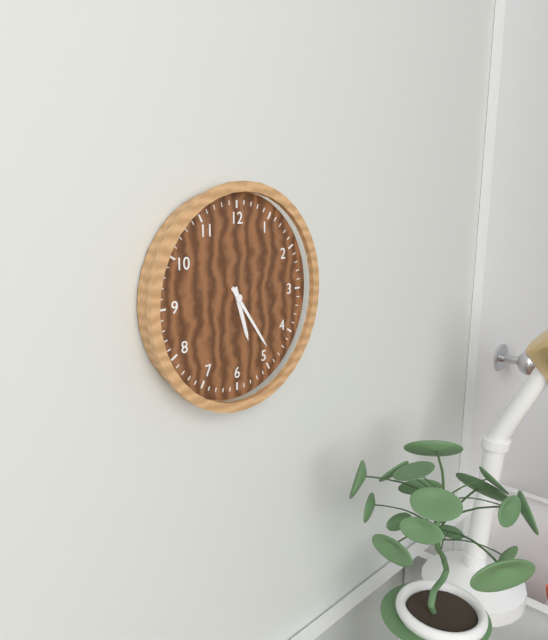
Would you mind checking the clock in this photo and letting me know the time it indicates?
5:24
